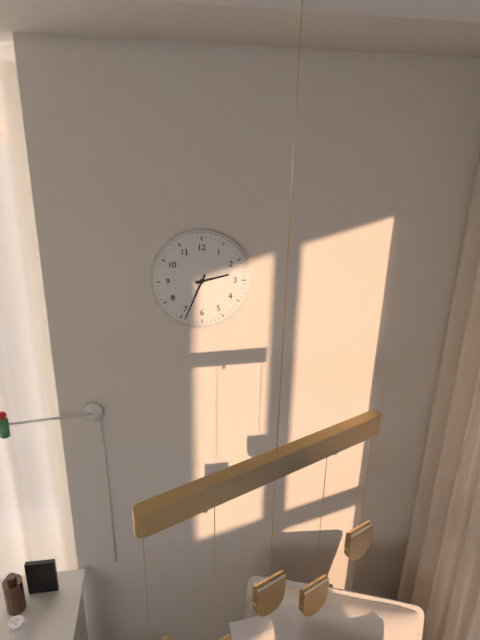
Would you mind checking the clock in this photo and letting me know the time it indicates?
2:34
